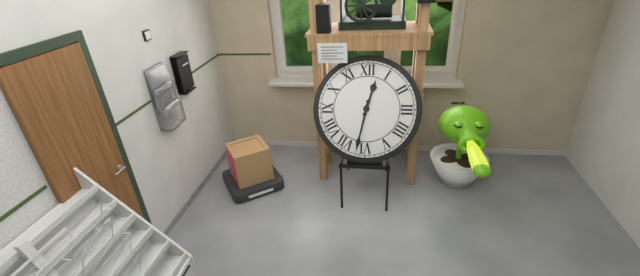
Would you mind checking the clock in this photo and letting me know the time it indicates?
12:32
